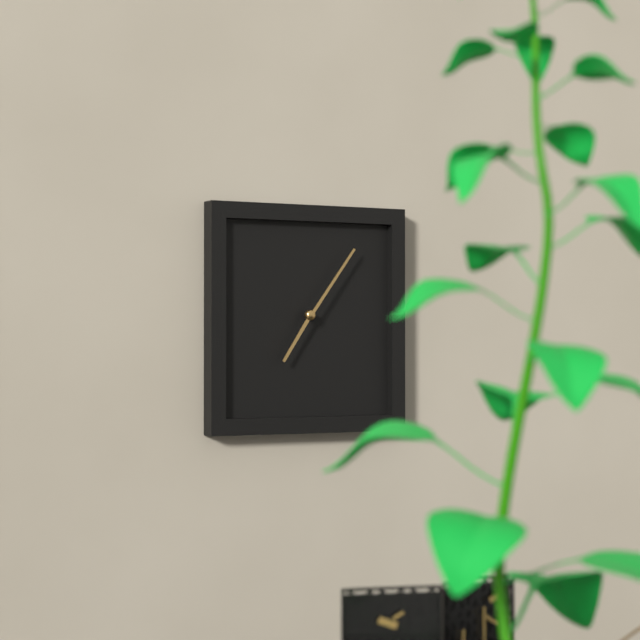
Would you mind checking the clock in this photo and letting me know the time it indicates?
7:06
